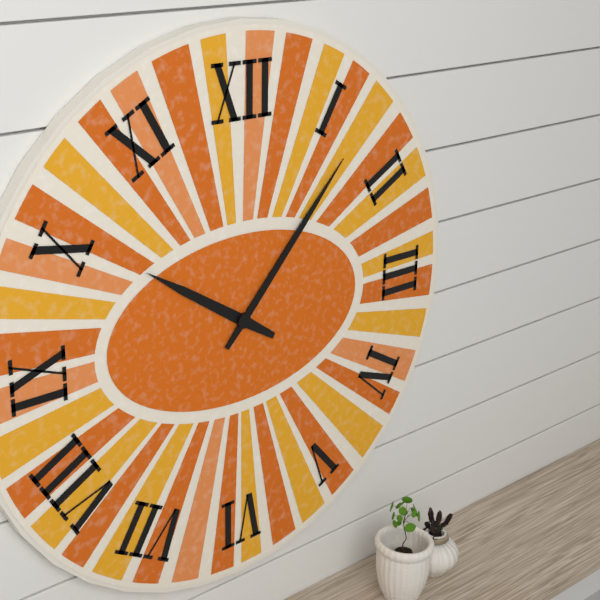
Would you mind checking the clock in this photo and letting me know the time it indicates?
10:07
